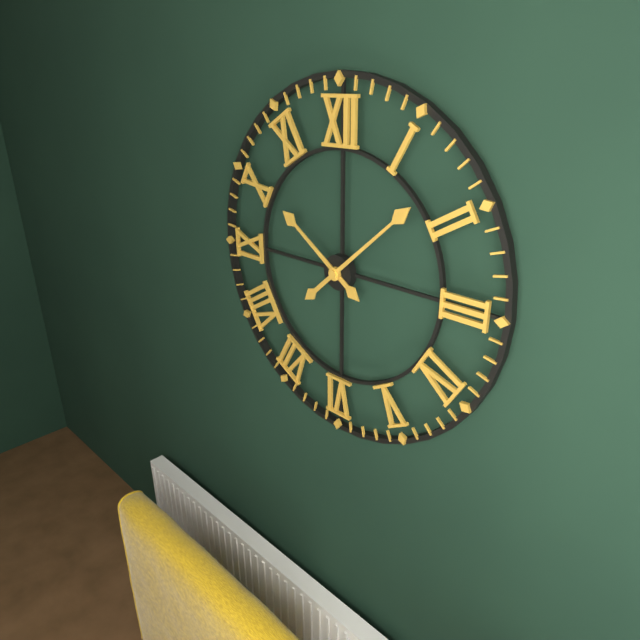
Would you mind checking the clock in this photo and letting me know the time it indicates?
10:08
